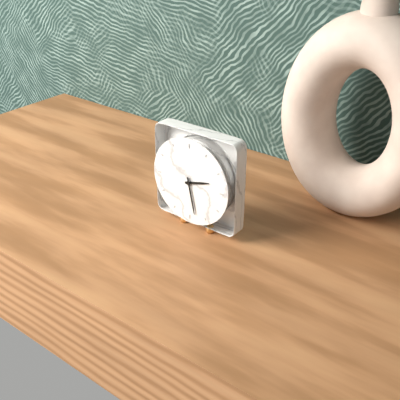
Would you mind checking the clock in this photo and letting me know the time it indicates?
2:28
